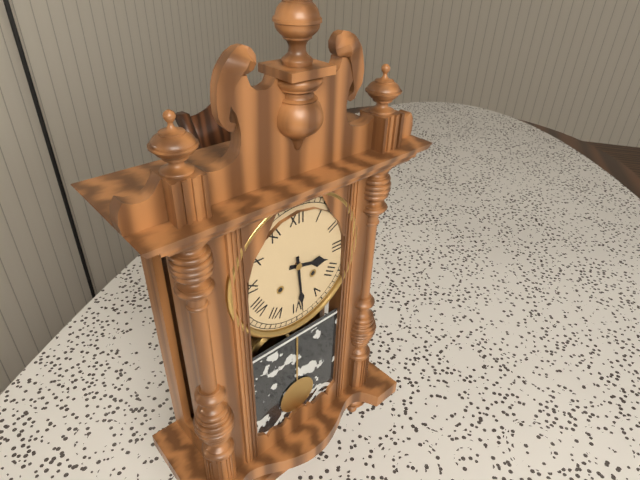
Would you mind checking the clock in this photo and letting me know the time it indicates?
3:29
